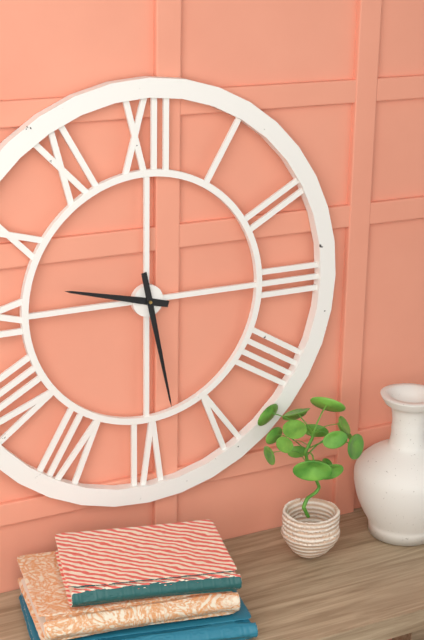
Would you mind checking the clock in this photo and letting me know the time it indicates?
9:28
